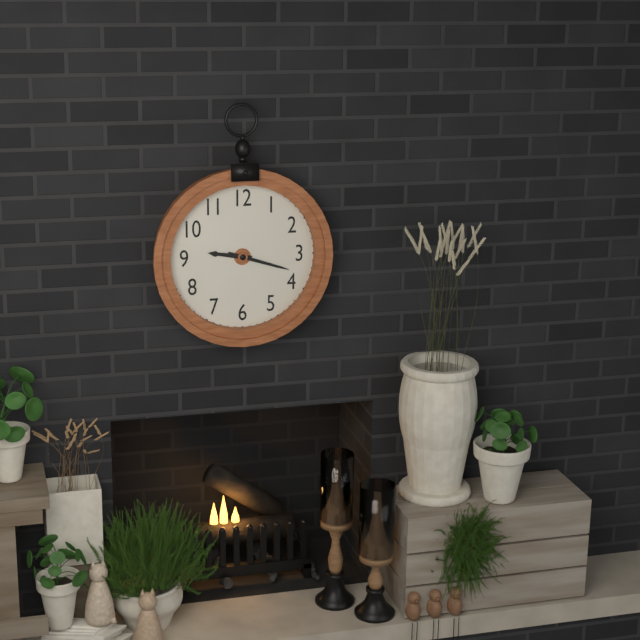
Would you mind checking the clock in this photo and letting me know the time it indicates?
9:18
